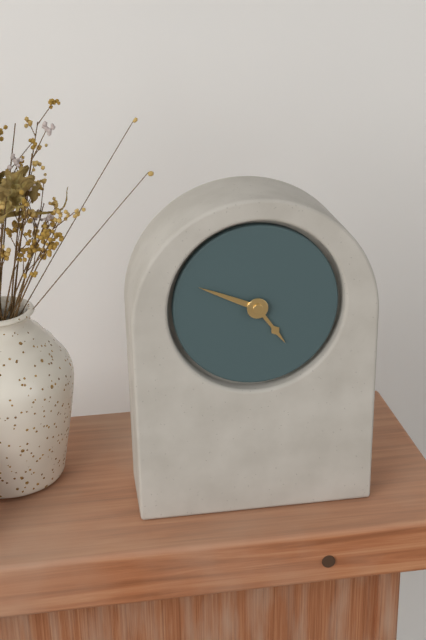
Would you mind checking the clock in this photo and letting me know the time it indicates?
4:49
